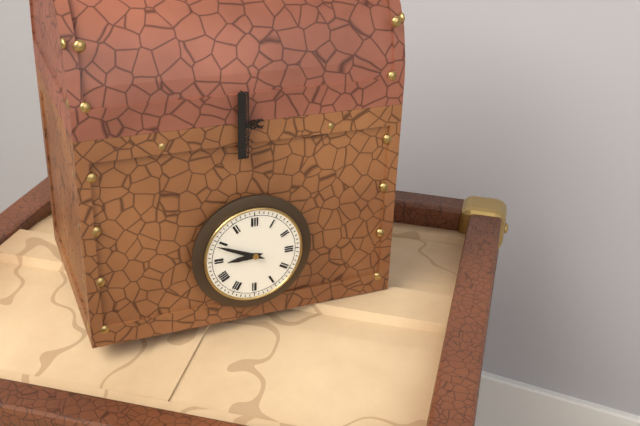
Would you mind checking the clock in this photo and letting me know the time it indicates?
8:49
